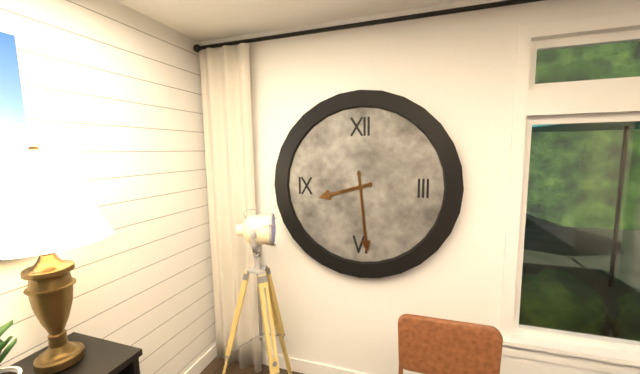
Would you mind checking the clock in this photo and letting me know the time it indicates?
8:29
